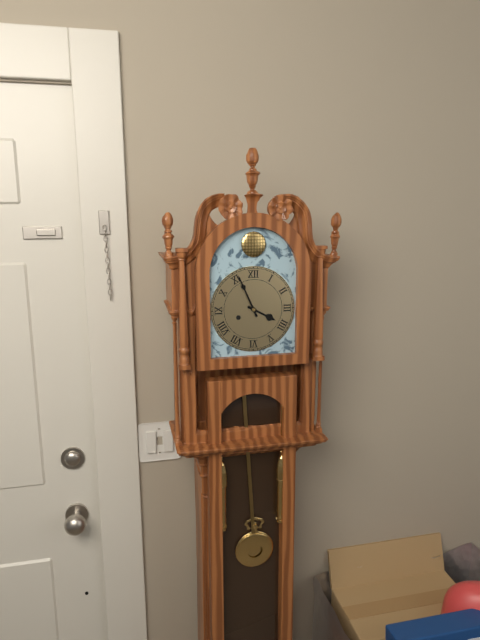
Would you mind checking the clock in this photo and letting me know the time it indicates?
3:56
